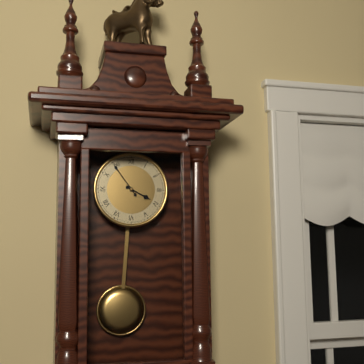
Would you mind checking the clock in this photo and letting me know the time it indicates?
3:54
